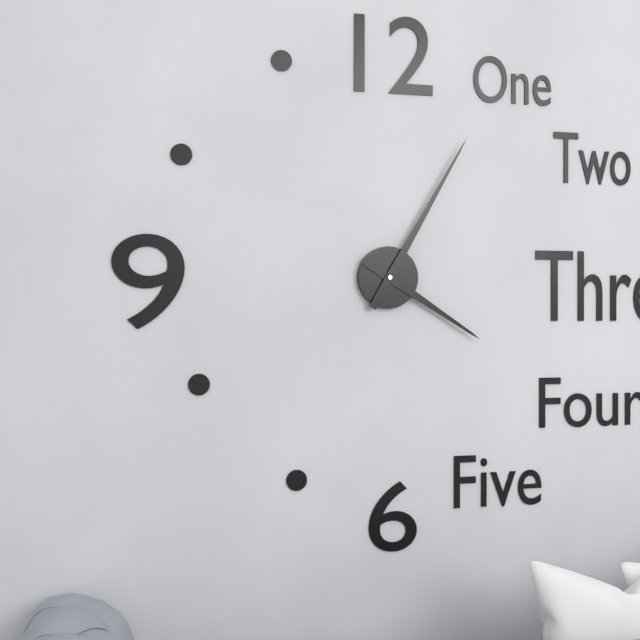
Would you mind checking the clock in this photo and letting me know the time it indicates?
4:05
